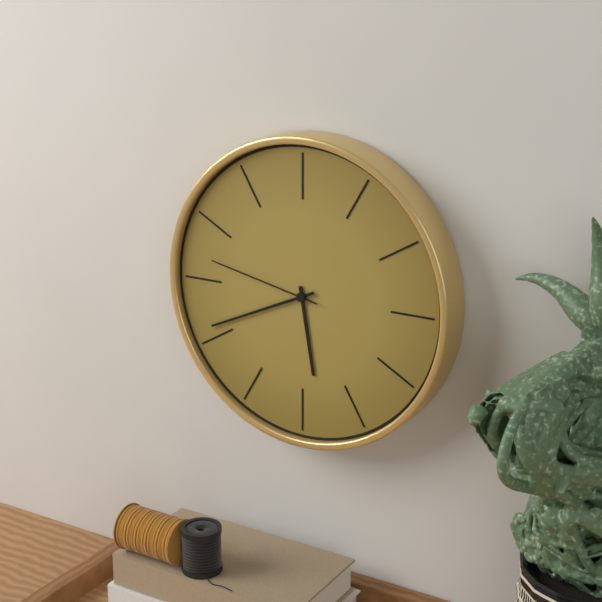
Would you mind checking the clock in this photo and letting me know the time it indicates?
5:41:47
